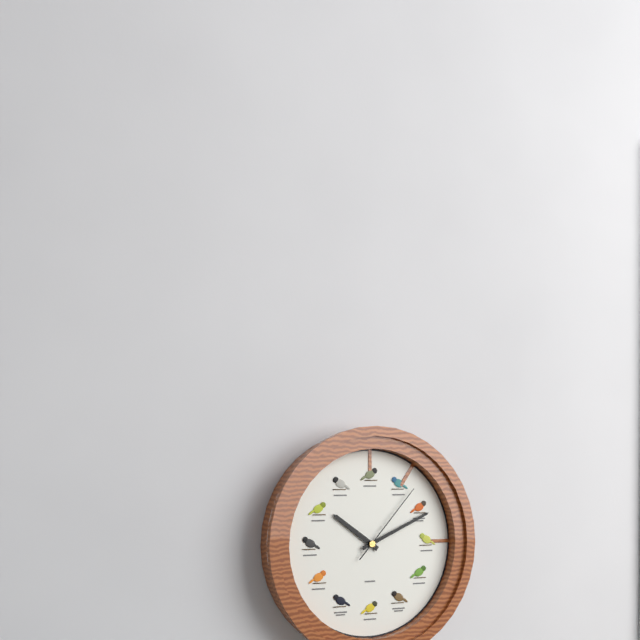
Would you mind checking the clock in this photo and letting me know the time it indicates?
10:11:07
